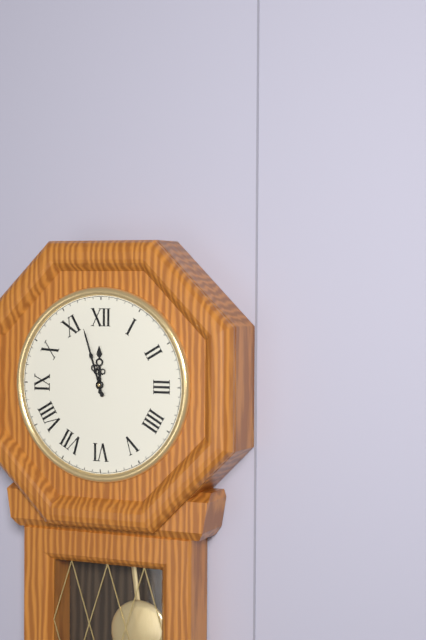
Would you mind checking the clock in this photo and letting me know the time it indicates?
11:57
